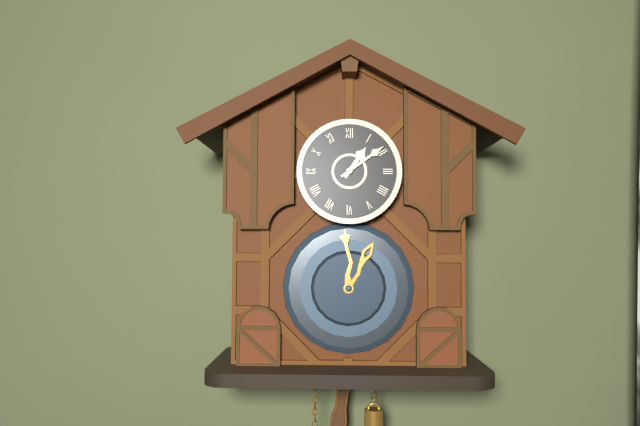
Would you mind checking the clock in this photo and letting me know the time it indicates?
1:09
